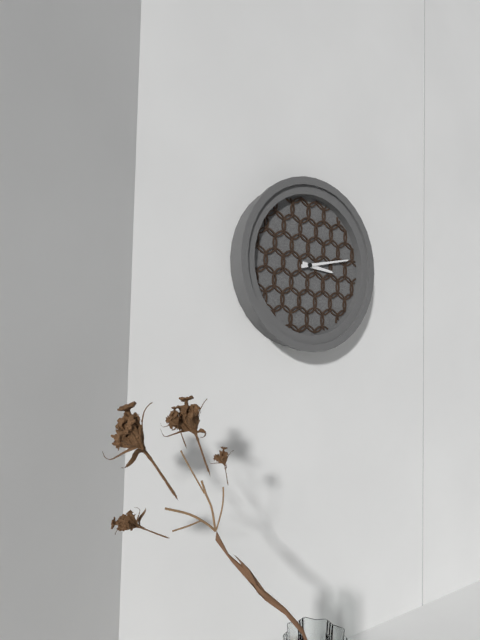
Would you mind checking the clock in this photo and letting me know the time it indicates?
3:13
